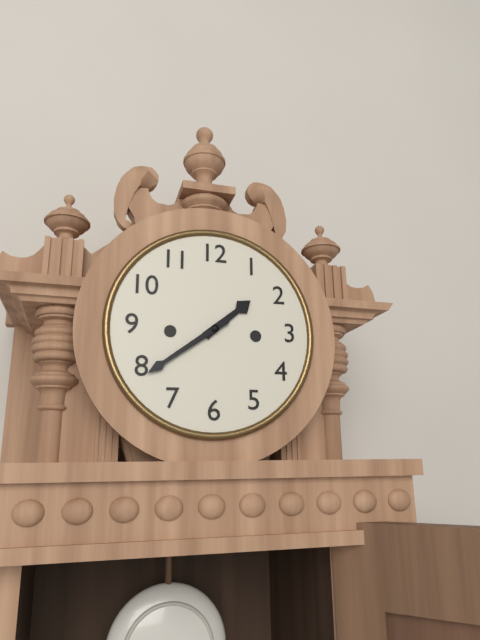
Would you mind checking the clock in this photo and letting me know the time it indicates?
1:39
